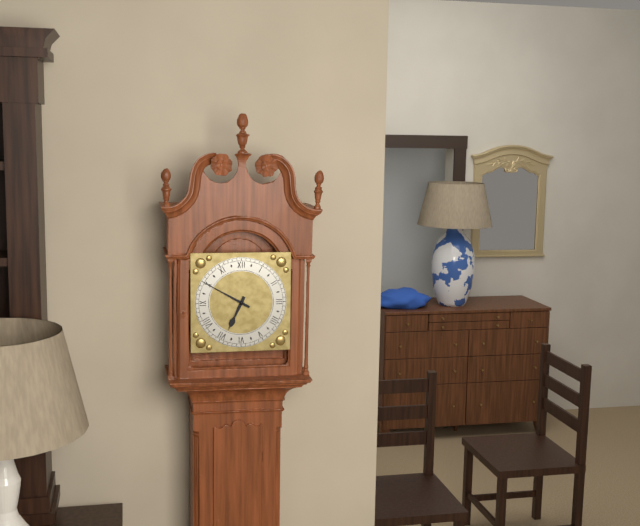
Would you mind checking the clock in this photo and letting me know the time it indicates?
6:50
